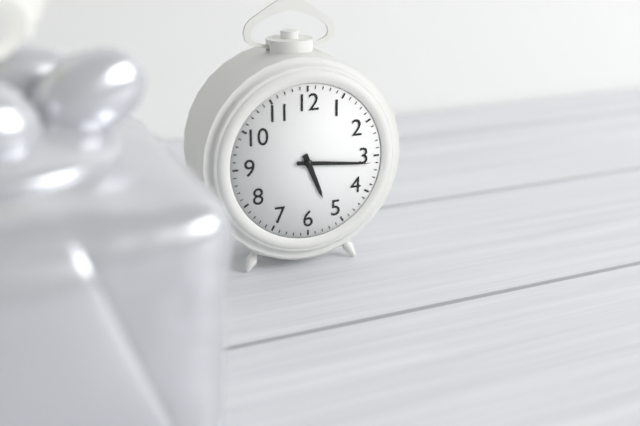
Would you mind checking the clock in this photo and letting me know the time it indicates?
5:16
